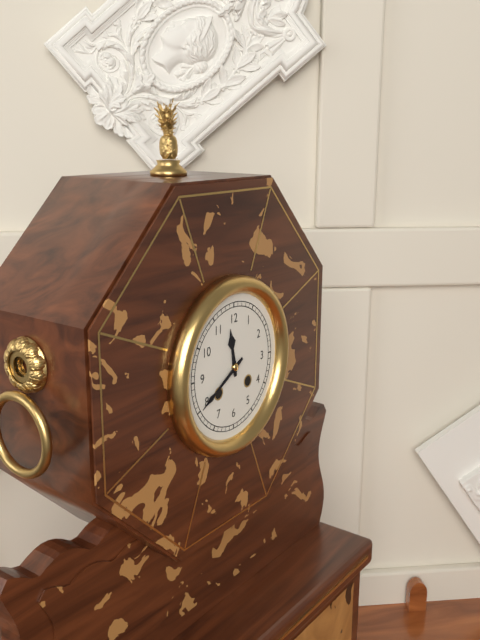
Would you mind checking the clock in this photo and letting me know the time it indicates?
11:40
